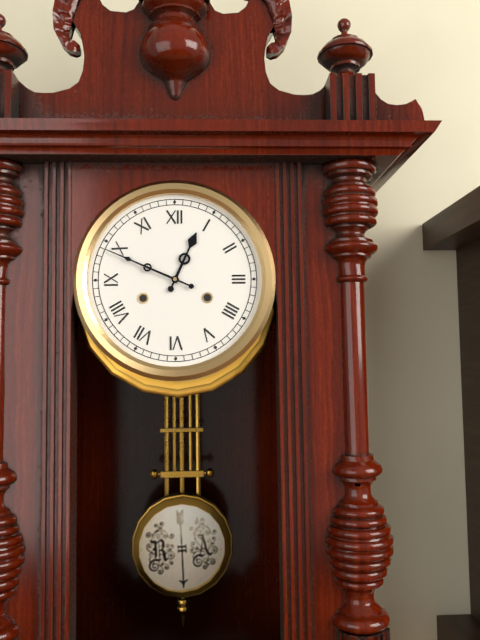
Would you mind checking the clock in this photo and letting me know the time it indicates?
12:49
